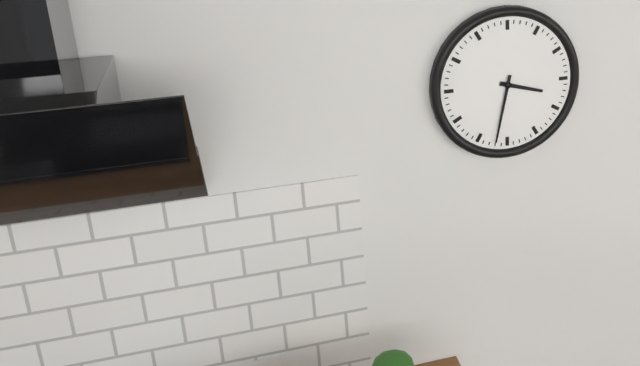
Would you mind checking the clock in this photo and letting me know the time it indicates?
3:32
